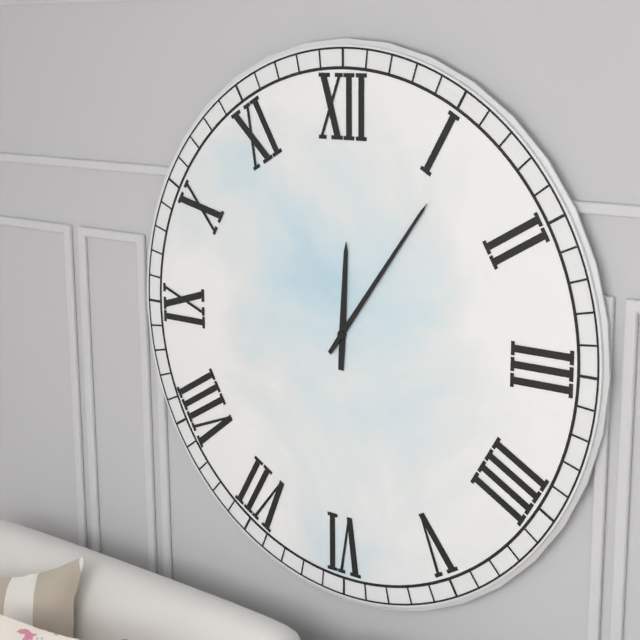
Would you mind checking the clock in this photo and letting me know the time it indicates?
12:06
